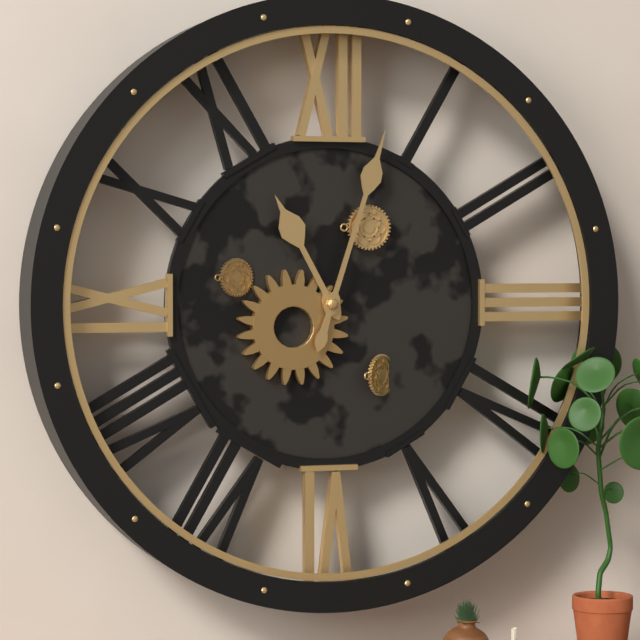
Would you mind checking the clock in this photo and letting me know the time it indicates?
11:03
